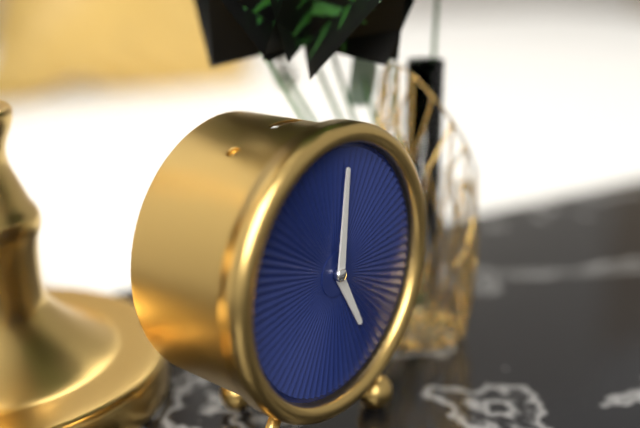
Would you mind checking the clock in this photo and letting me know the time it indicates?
5:01
